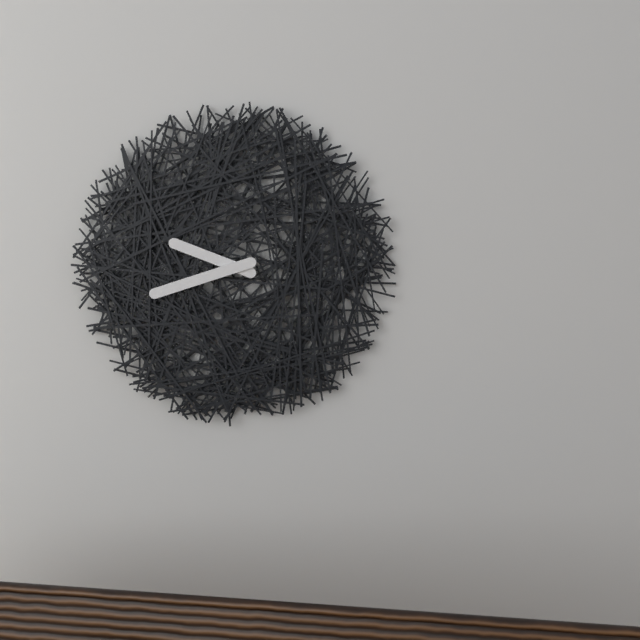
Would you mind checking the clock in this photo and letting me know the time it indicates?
9:42
